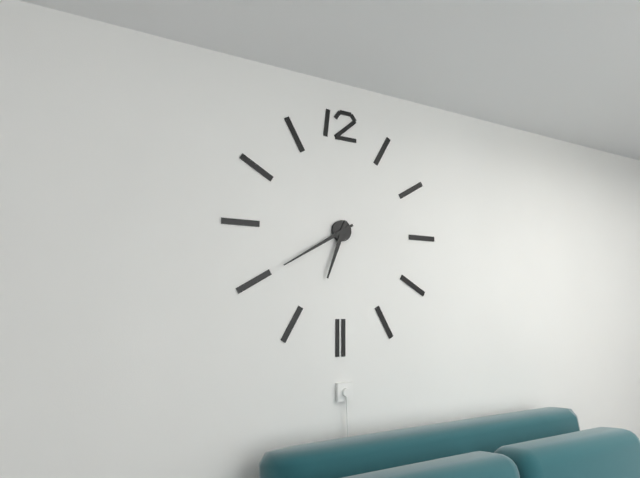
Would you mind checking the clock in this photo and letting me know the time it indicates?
6:40
